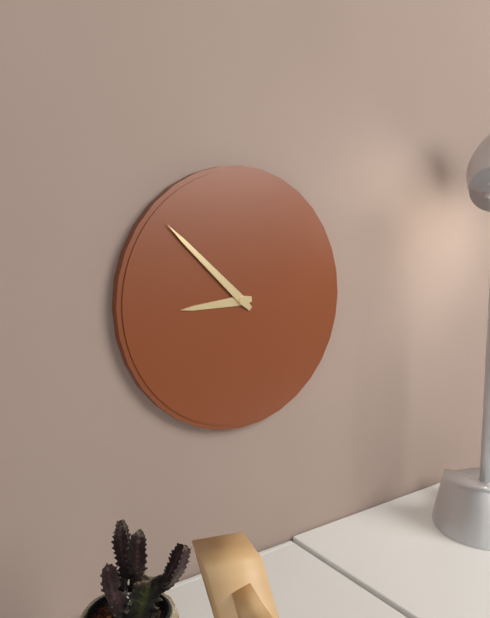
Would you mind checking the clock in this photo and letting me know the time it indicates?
8:52
